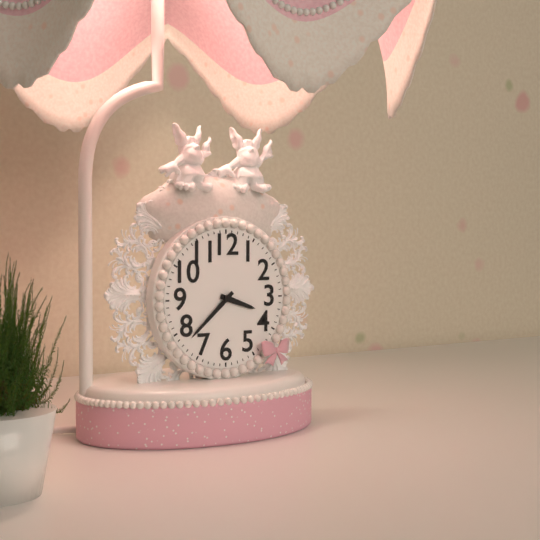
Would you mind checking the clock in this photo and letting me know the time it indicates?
3:38
